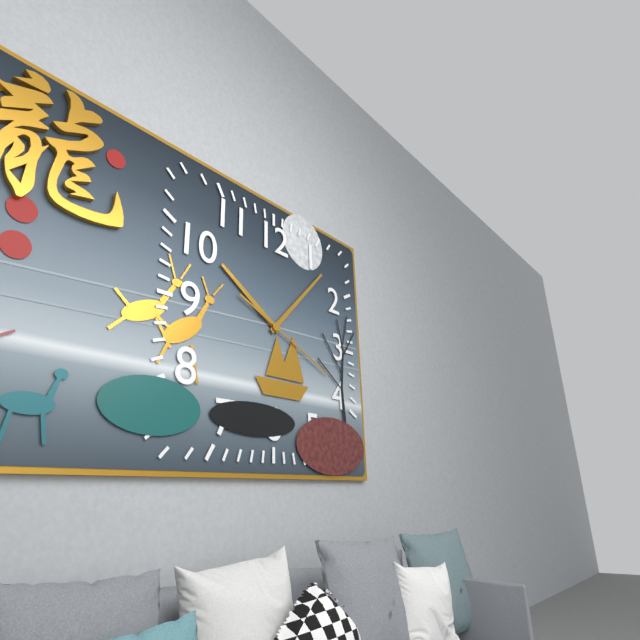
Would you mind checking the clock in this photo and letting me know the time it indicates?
10:07:19
